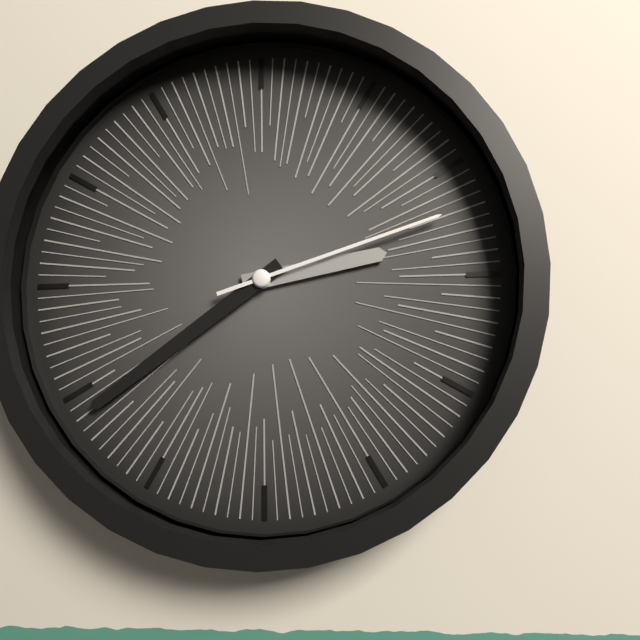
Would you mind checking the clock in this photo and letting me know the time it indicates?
2:39:12
